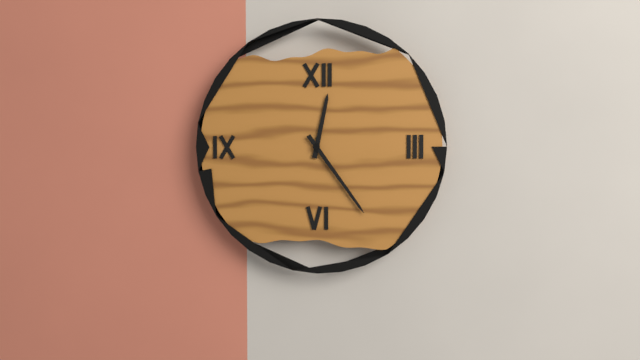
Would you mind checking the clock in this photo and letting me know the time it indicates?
12:24
